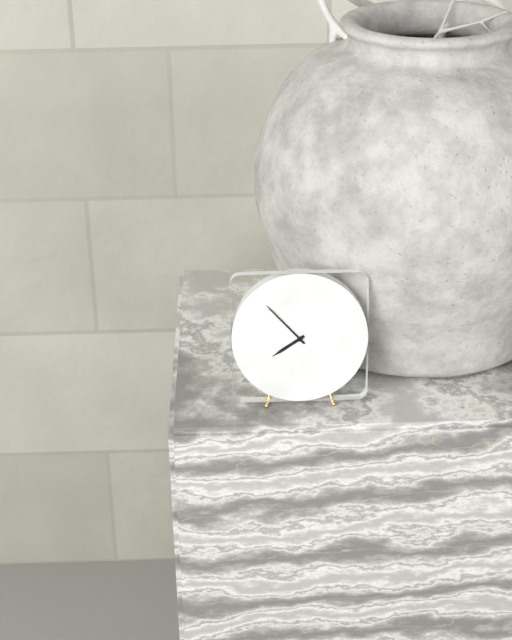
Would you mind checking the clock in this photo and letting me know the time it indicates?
7:53
